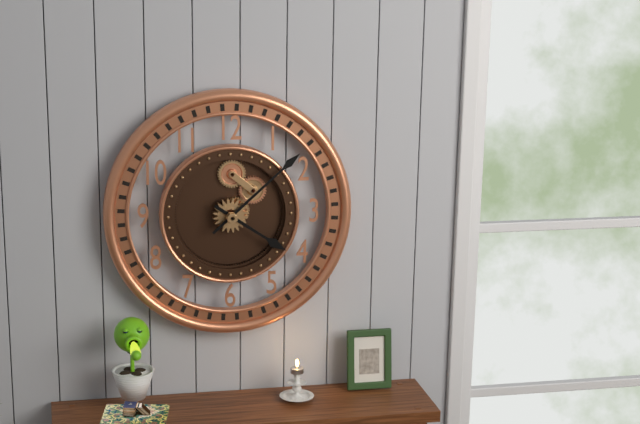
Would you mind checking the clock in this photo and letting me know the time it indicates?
4:08
